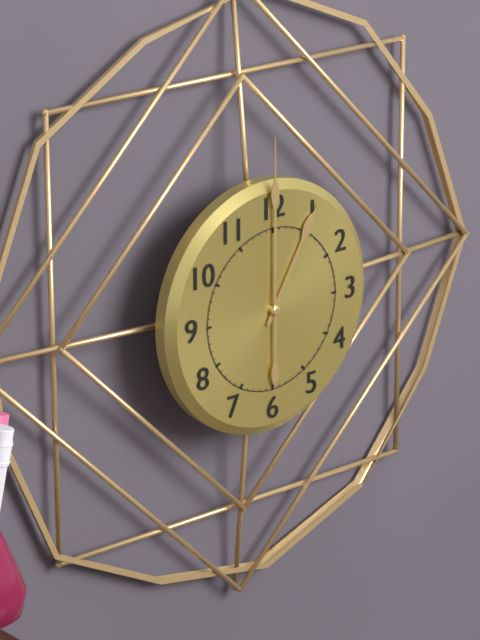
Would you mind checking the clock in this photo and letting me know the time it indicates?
1:00
